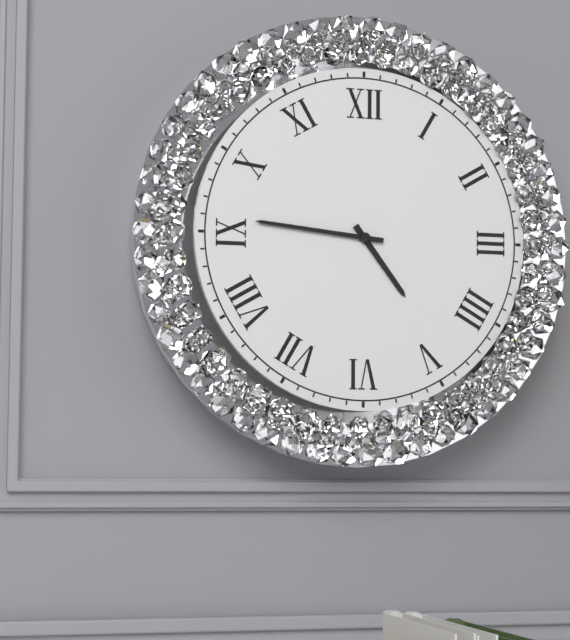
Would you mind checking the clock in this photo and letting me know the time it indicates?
4:46
